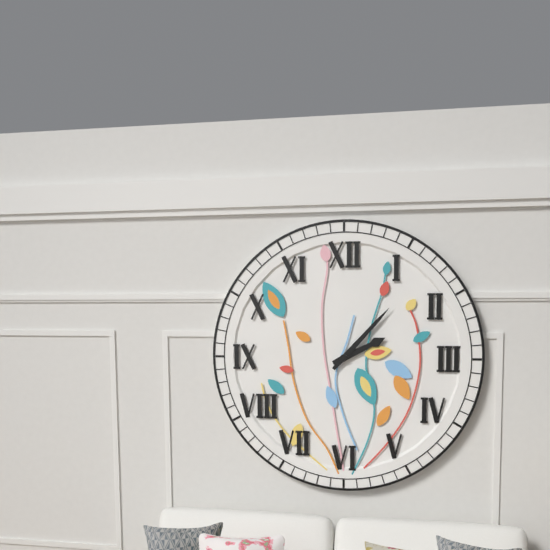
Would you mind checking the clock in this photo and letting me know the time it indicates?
2:07
